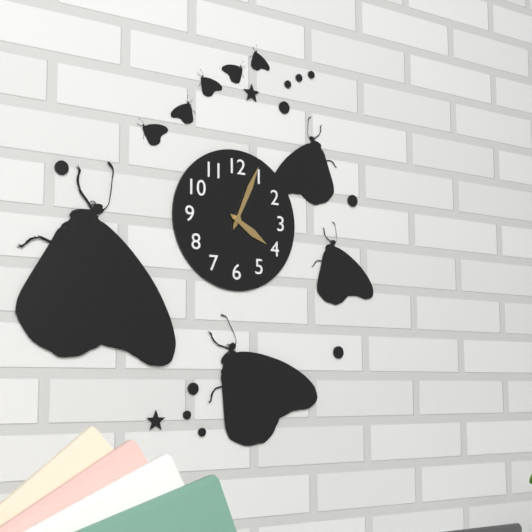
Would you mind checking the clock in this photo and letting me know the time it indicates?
4:04
